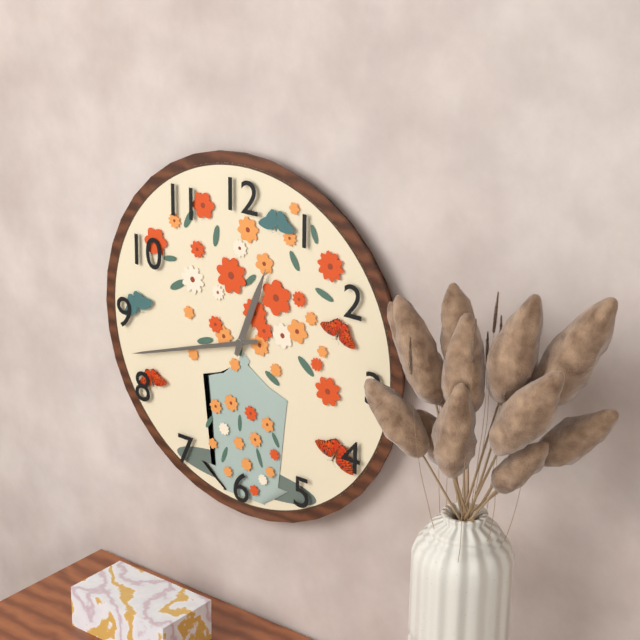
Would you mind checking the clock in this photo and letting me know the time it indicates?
12:42
